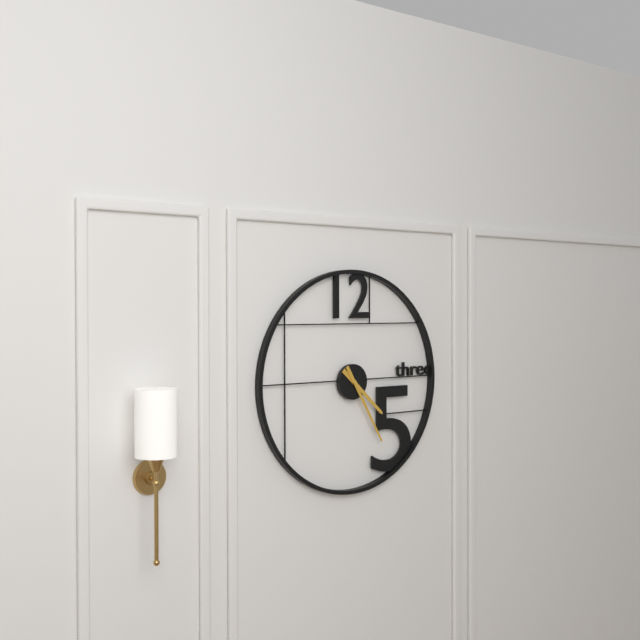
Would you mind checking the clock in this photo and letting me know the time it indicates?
4:25
